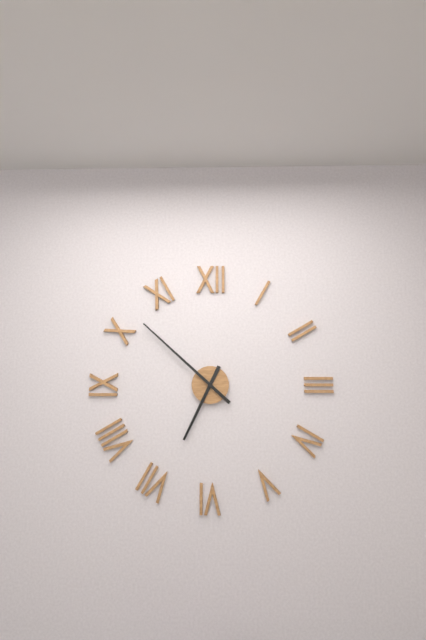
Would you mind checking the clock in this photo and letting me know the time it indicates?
6:52
